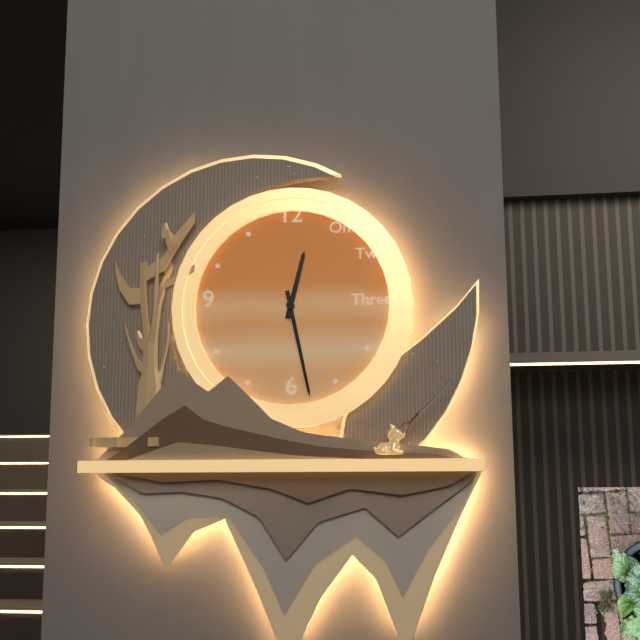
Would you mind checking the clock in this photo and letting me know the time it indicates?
12:28
